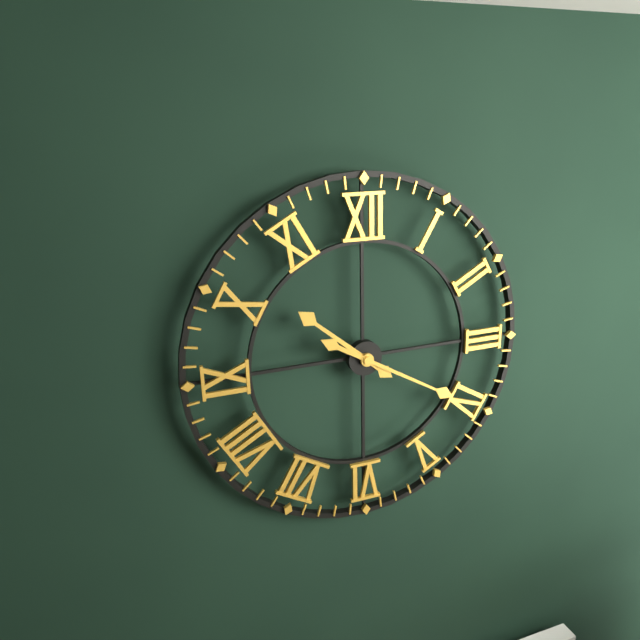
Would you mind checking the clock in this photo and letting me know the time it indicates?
10:20
